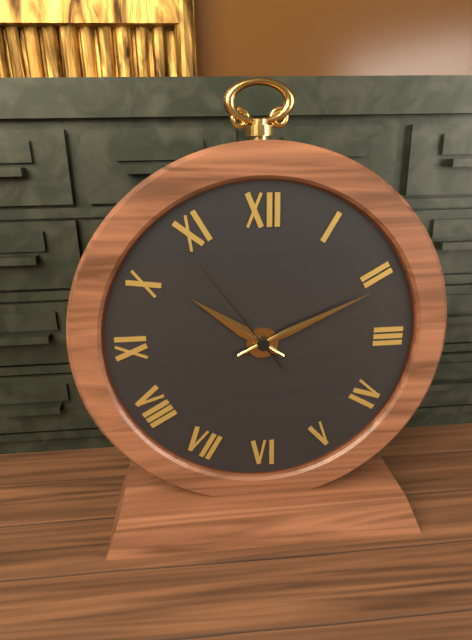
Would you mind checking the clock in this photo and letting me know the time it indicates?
10:11:54
